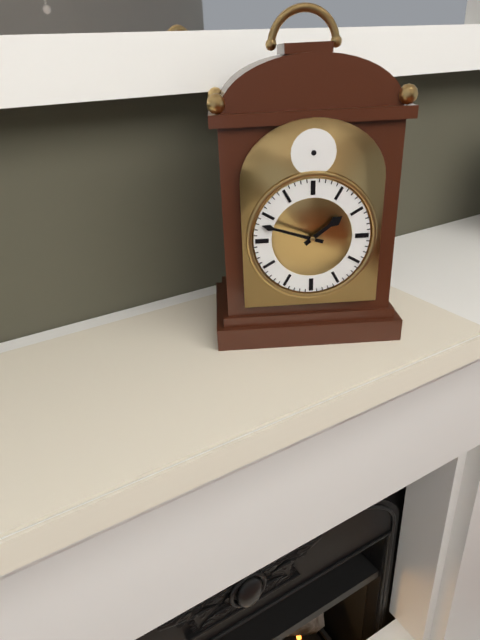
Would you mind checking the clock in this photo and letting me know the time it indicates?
1:48
